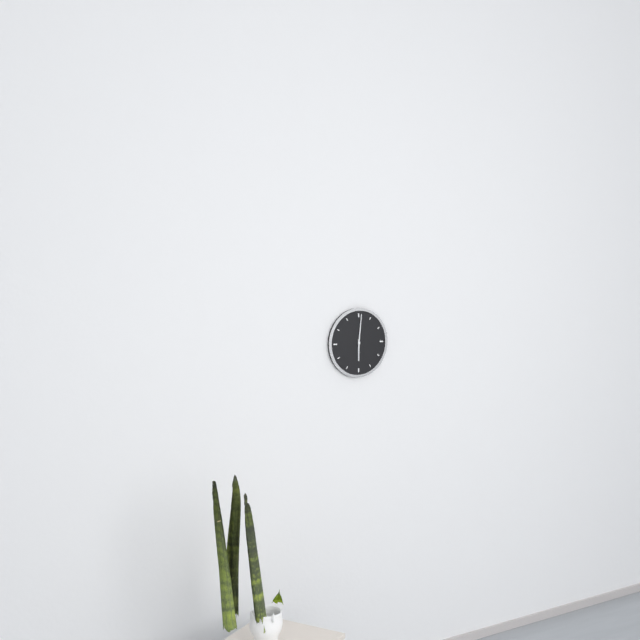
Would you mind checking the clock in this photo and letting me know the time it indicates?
6:01
